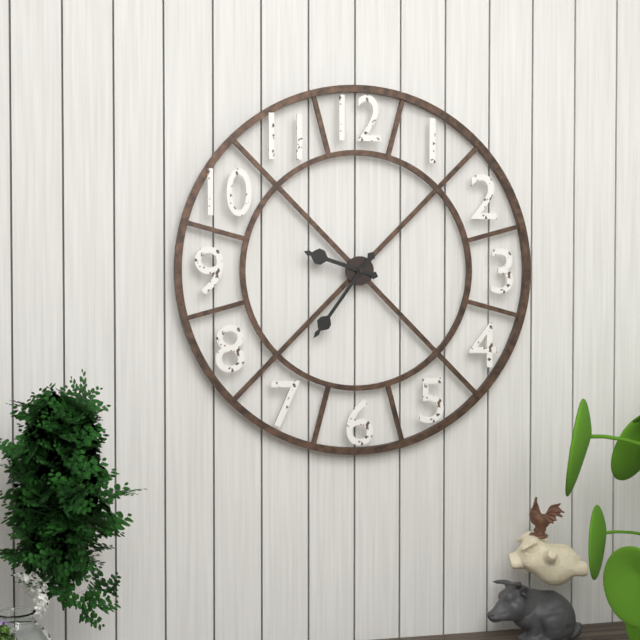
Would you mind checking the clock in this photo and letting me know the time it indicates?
9:36
